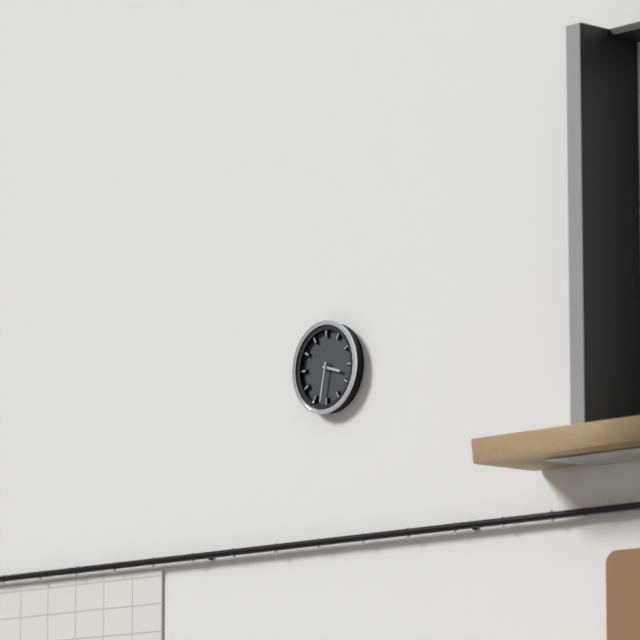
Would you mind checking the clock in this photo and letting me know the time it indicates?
3:32
